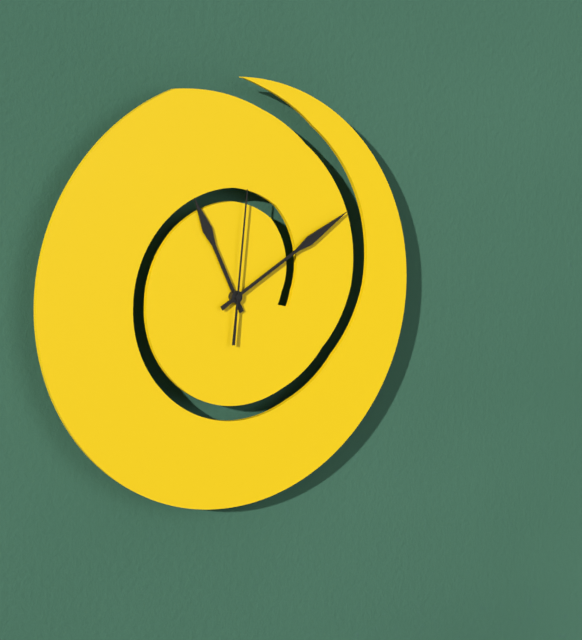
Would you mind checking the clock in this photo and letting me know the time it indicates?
11:10:01
